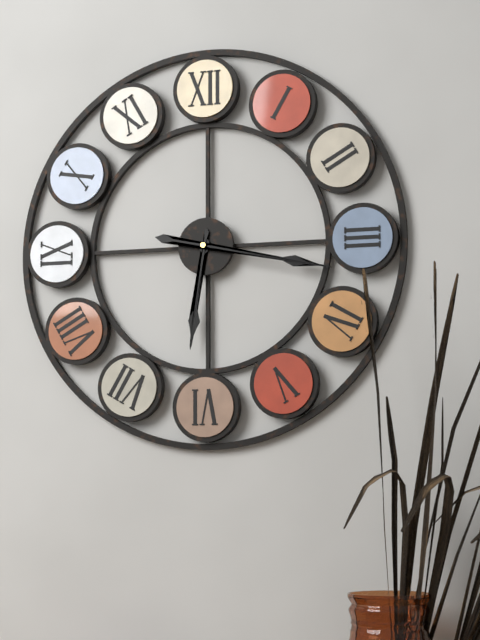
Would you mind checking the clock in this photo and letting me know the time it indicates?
6:17
